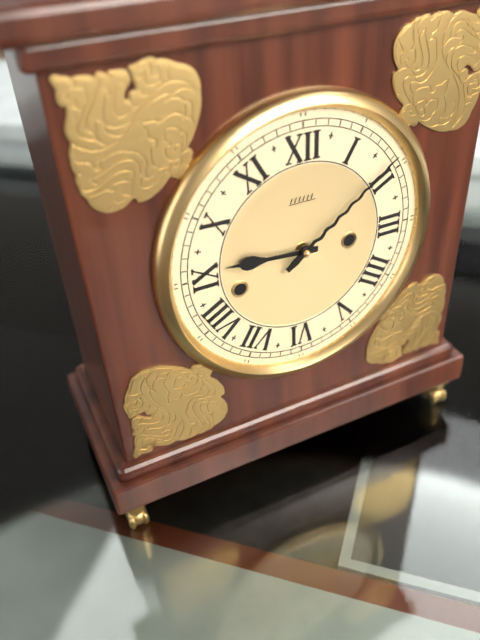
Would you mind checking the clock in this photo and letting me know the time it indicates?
9:09
